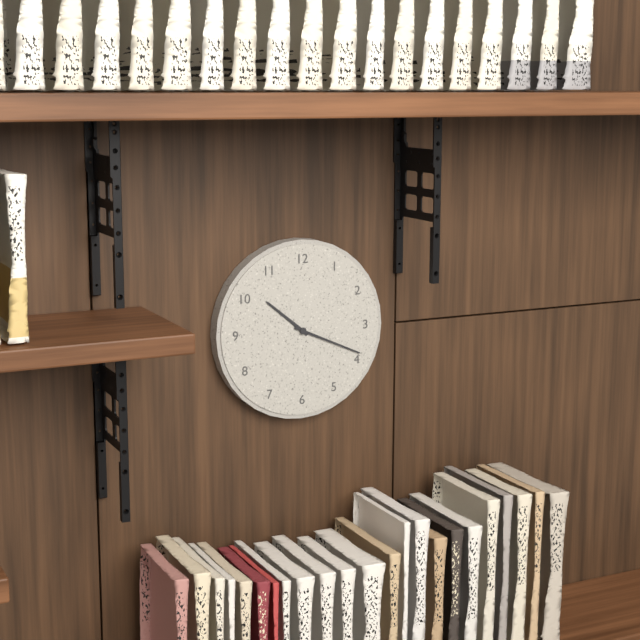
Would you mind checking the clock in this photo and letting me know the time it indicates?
10:19
